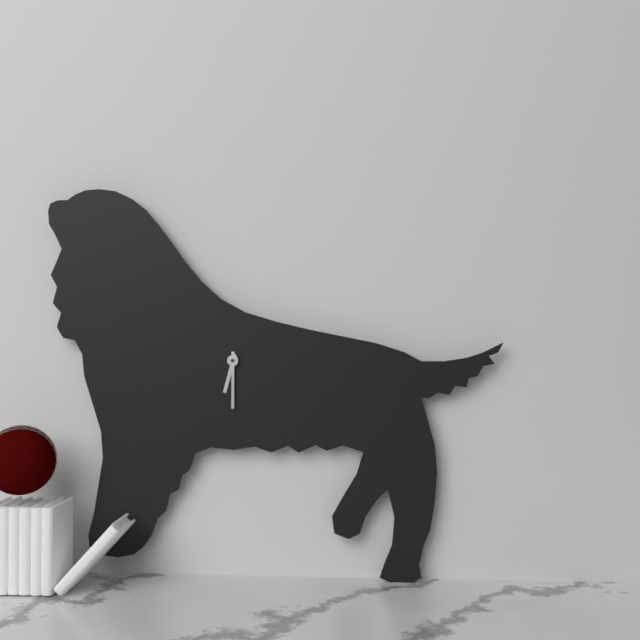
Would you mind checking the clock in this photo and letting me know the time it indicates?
6:30
